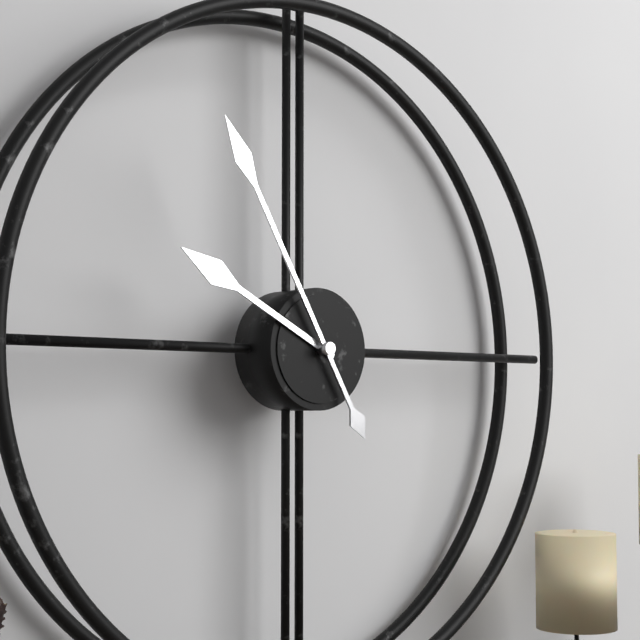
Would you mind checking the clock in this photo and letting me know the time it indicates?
9:55
